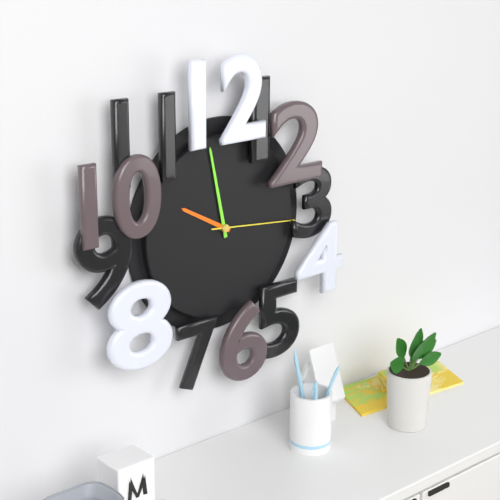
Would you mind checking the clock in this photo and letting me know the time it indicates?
9:58:16
